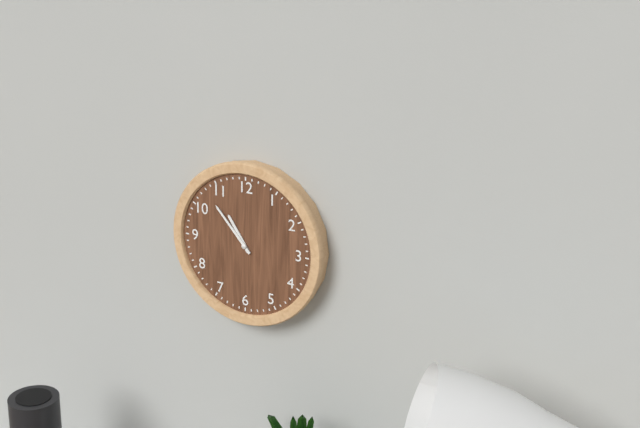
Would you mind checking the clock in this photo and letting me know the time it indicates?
10:53
